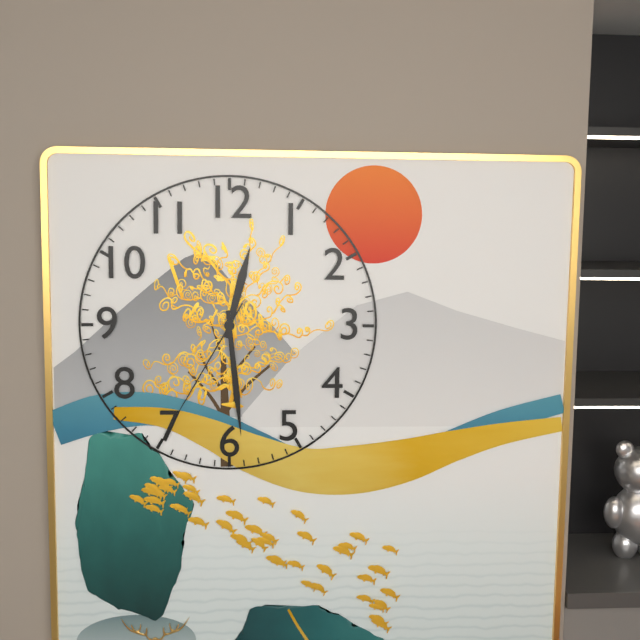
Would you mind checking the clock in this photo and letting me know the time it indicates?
12:29:35
